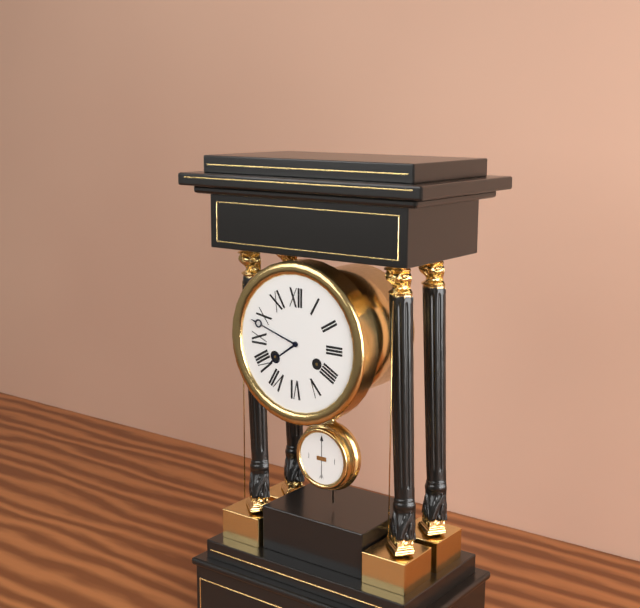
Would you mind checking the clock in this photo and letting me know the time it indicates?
7:48
